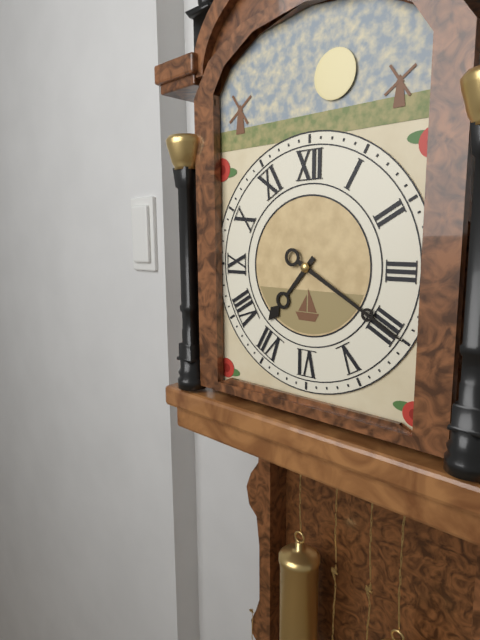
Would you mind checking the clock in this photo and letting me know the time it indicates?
7:20
